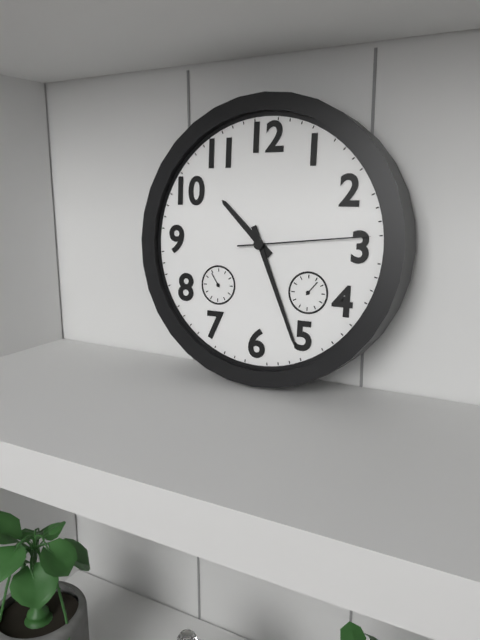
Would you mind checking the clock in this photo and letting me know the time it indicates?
10:26:14
